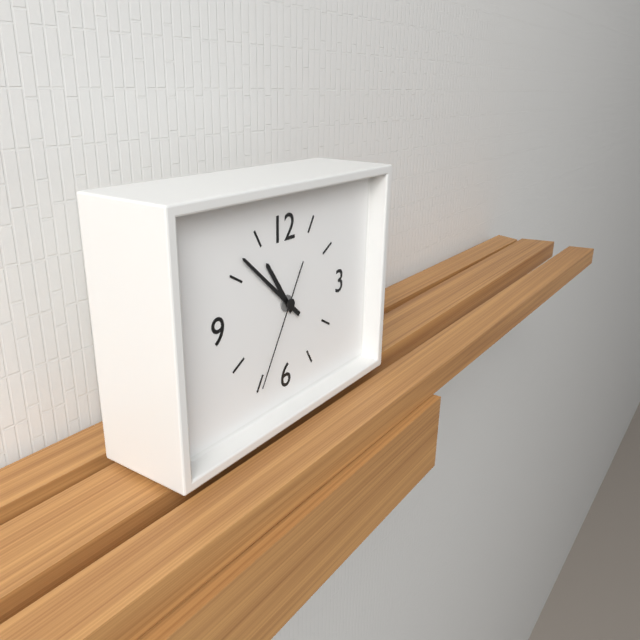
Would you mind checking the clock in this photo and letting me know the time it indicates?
10:52:35
